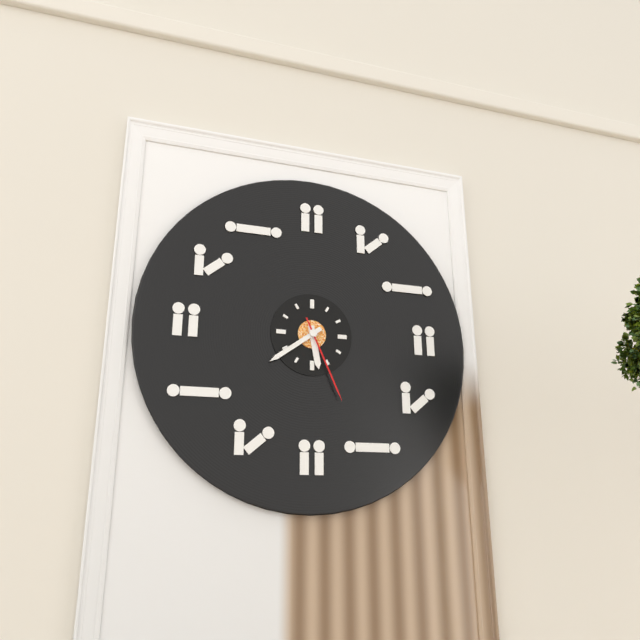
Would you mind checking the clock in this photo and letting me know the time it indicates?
5:39:26
